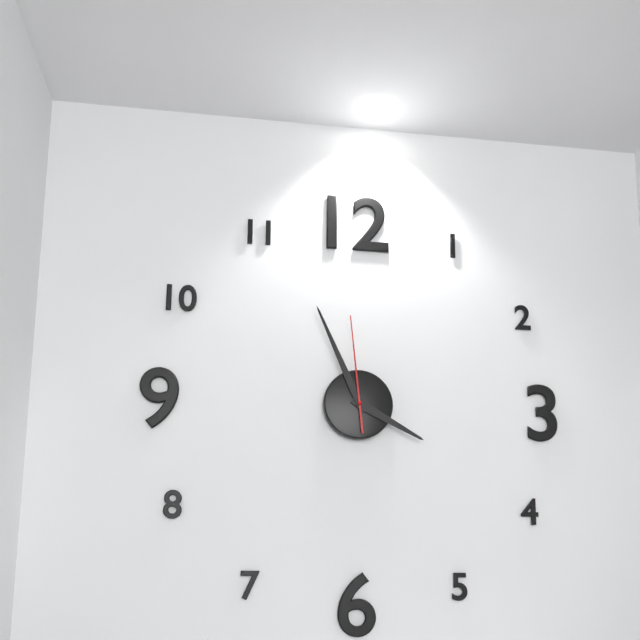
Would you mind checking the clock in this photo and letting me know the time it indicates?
3:56:59
